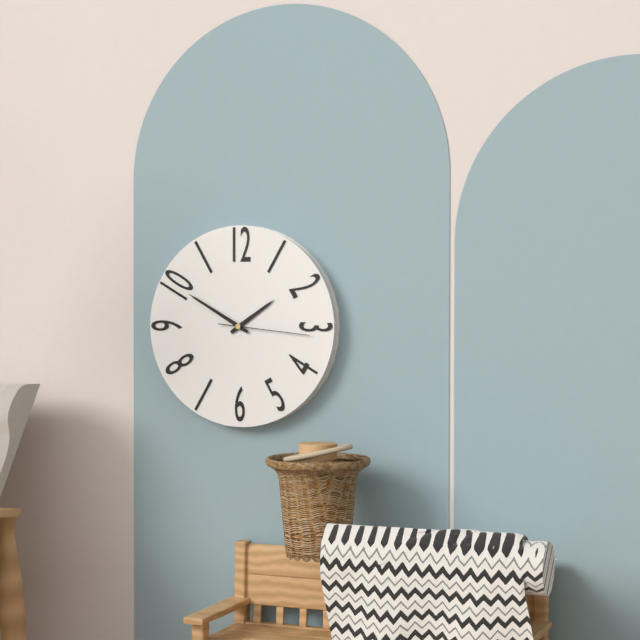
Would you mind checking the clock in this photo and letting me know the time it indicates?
1:50:16
